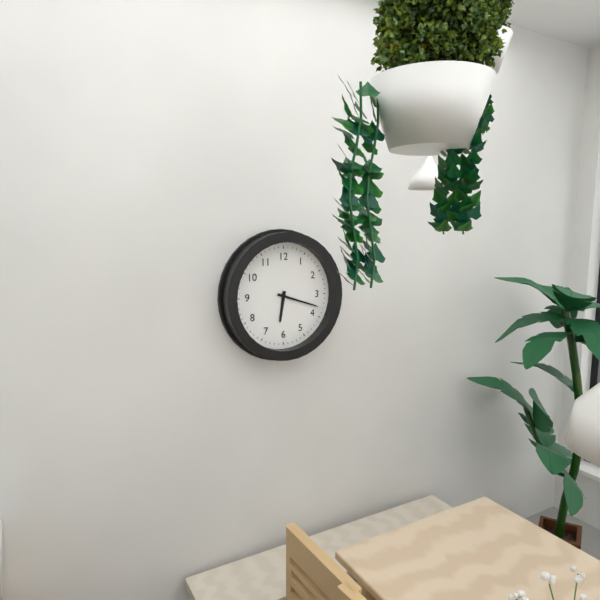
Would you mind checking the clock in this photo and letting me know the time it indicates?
6:18
